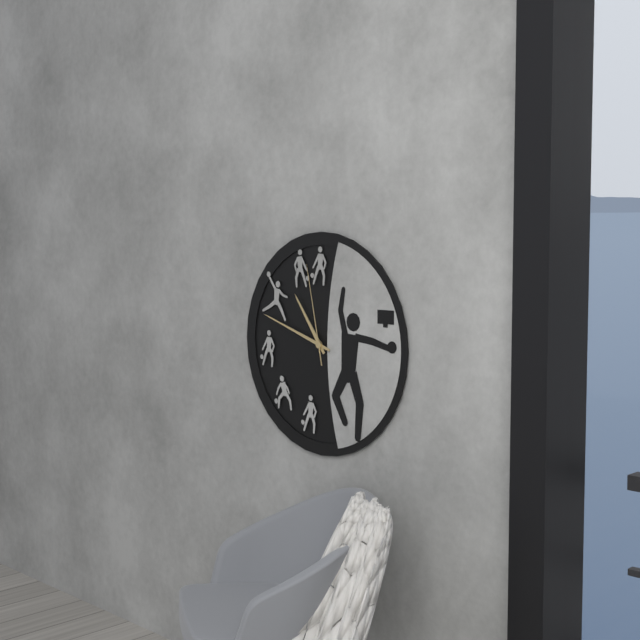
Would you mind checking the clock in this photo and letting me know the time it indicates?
10:48:58
